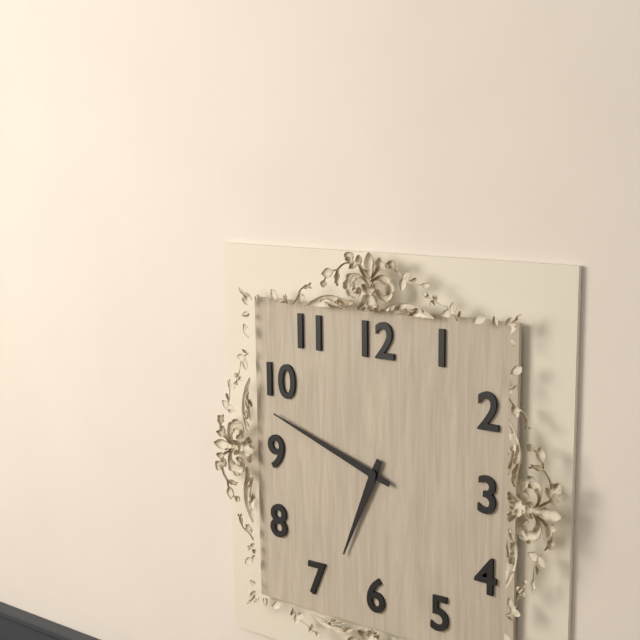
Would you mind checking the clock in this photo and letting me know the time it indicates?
6:48
